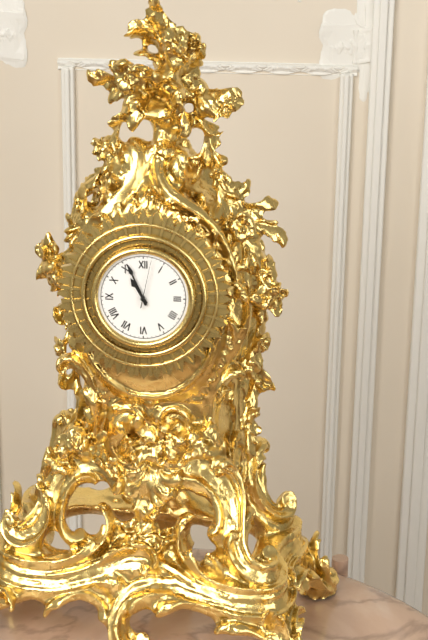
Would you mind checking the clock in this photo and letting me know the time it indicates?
10:56
